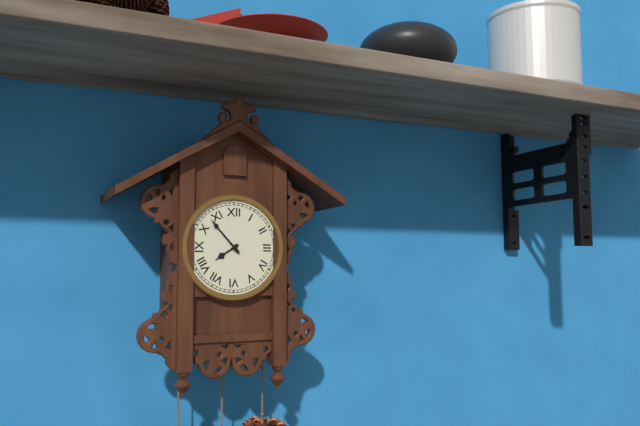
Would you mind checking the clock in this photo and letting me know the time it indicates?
7:53
